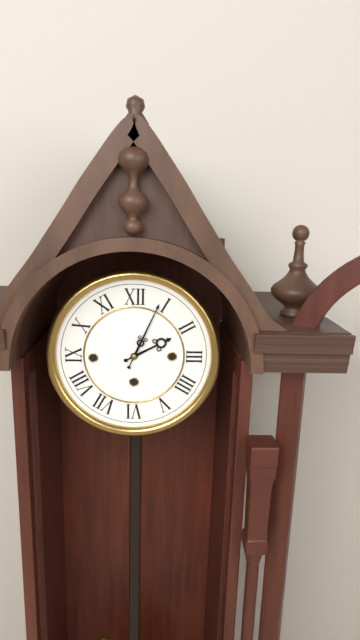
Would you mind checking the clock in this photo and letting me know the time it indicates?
2:04
